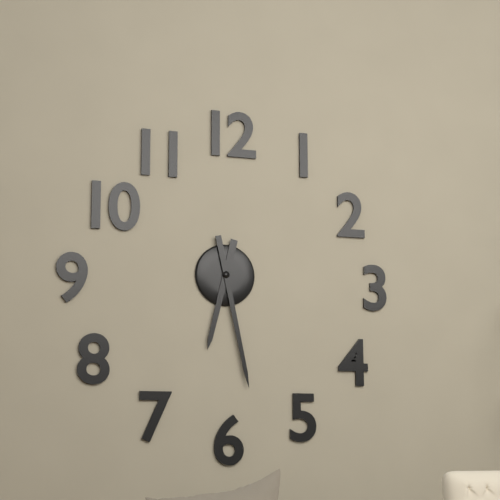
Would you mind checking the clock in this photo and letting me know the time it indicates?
6:28
